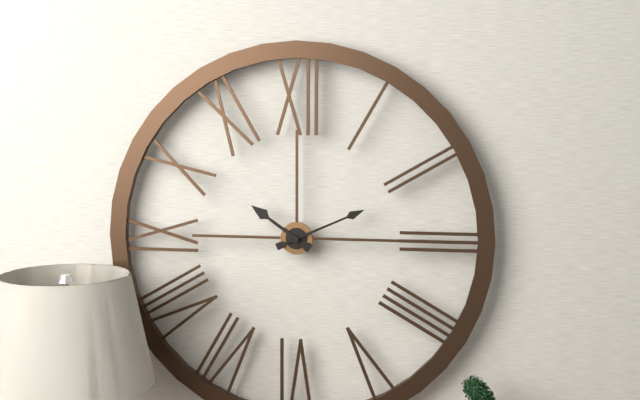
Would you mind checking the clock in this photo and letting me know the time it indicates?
10:11
